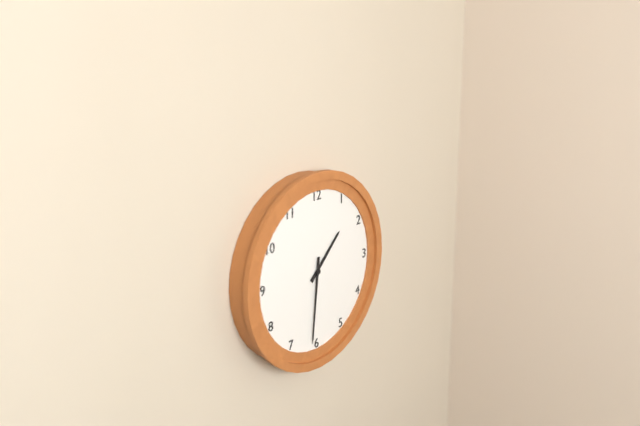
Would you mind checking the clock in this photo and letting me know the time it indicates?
1:31
